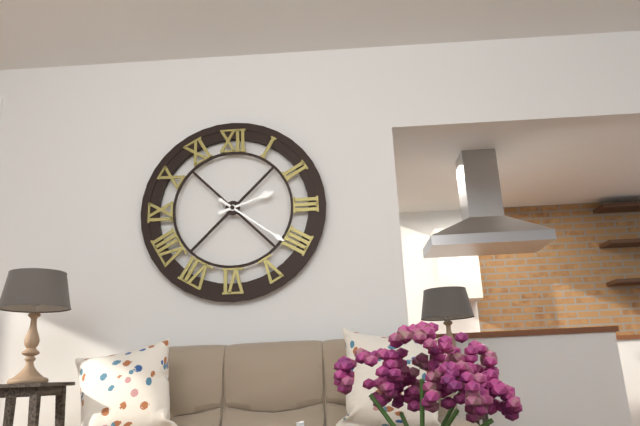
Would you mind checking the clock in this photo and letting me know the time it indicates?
2:21
